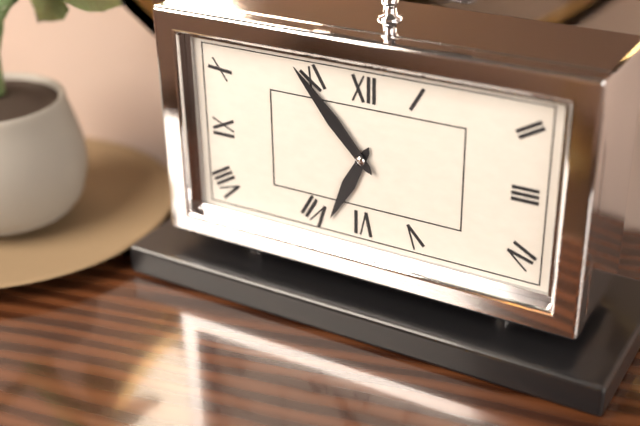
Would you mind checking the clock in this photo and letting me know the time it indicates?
6:53
